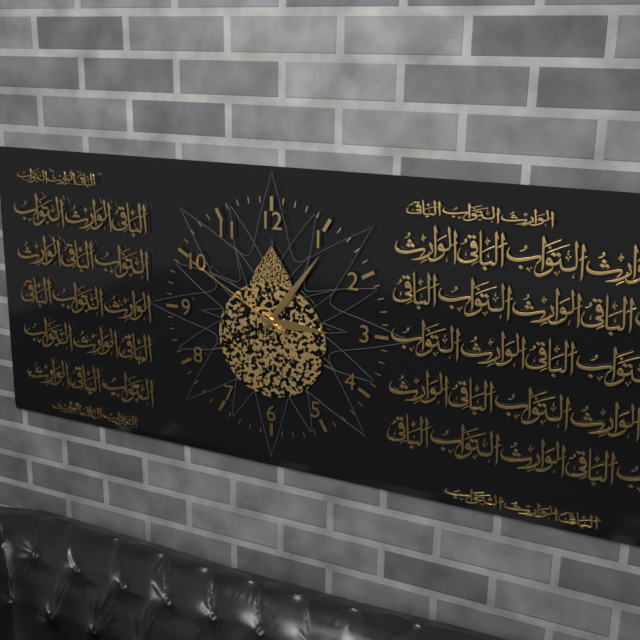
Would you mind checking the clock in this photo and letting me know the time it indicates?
3:06:50
